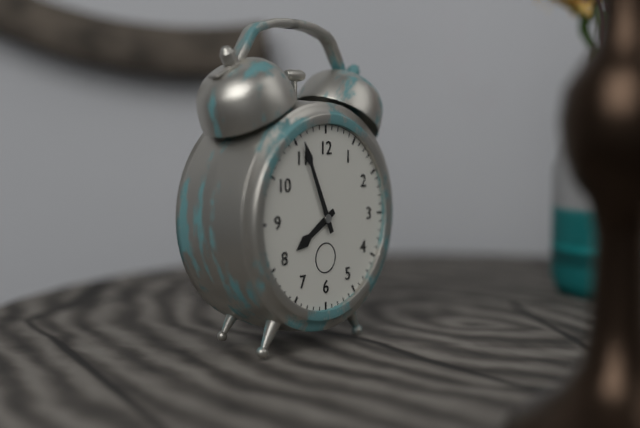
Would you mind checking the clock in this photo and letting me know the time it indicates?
7:56
